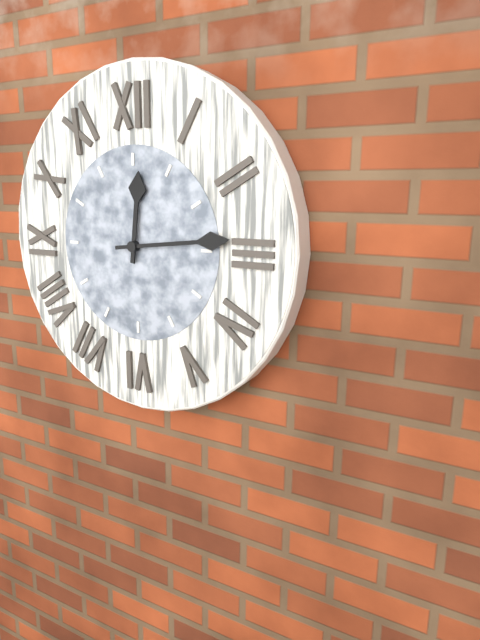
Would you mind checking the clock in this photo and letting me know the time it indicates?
12:14
